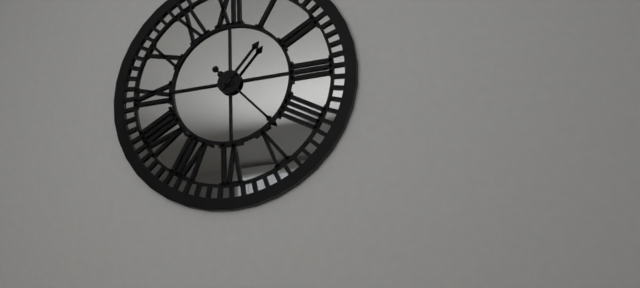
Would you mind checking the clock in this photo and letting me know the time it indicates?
1:23
